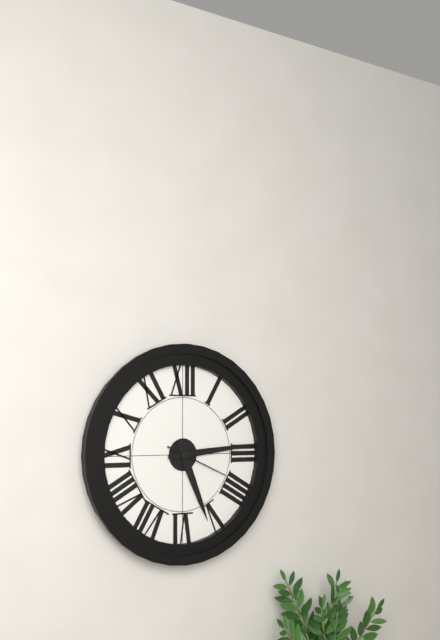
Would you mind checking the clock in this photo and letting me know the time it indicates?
5:14:19
